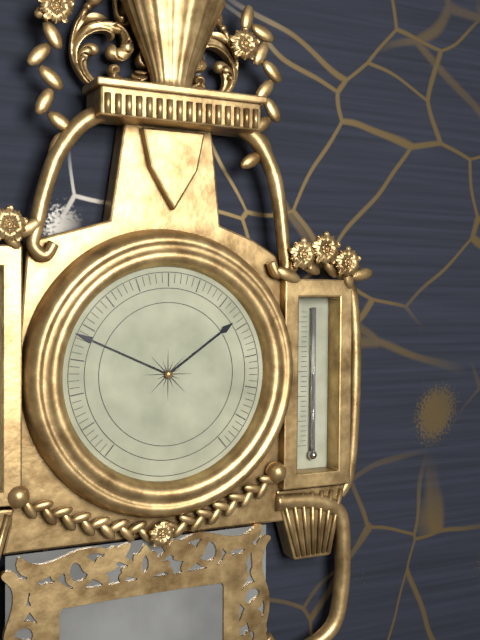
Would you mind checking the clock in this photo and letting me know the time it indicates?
1:49
